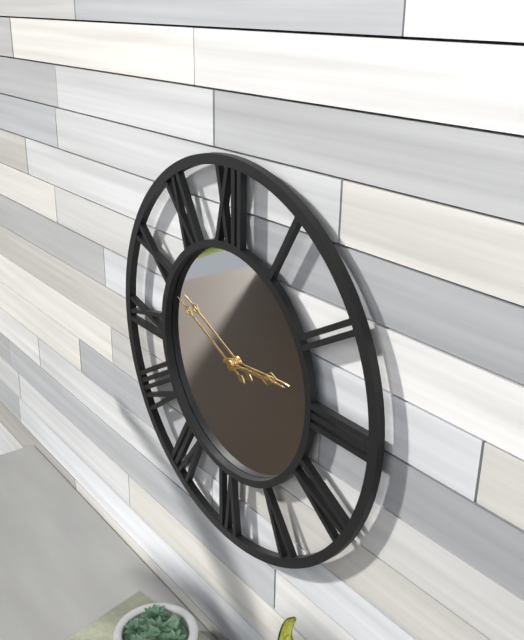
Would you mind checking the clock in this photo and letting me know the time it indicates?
2:49
